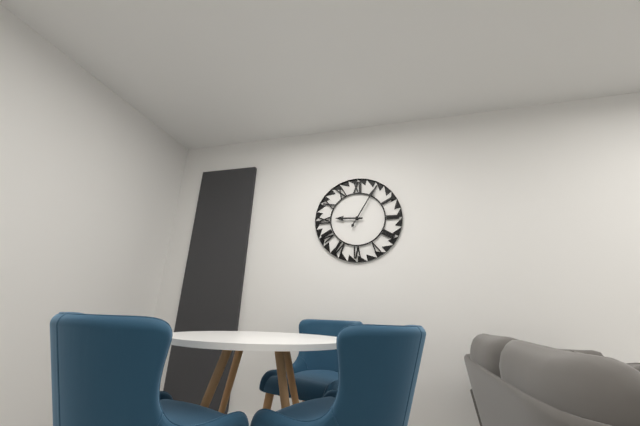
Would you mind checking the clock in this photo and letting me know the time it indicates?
9:05
